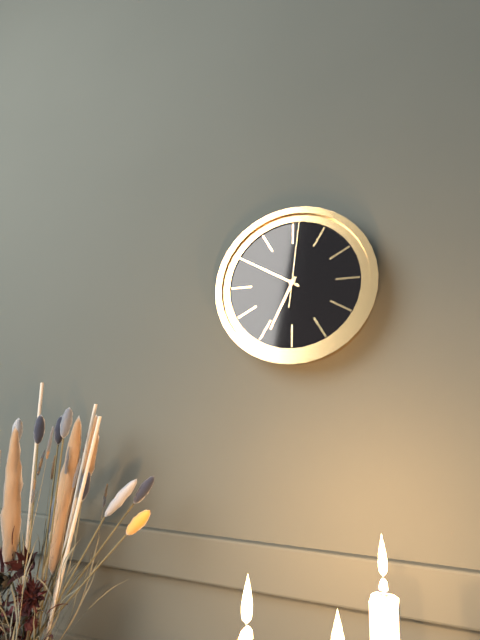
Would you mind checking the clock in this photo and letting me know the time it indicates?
6:50:01
